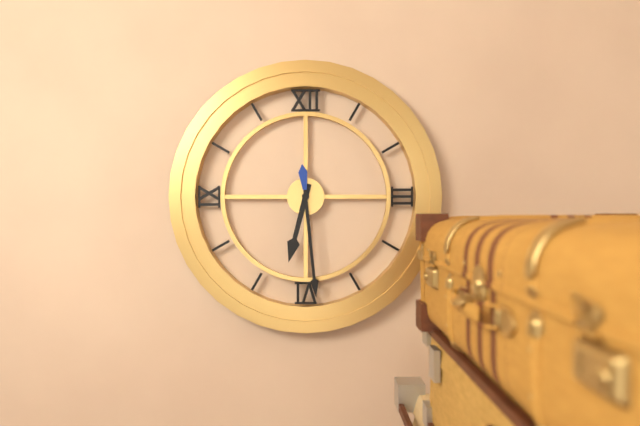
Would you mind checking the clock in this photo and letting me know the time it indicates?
6:29
